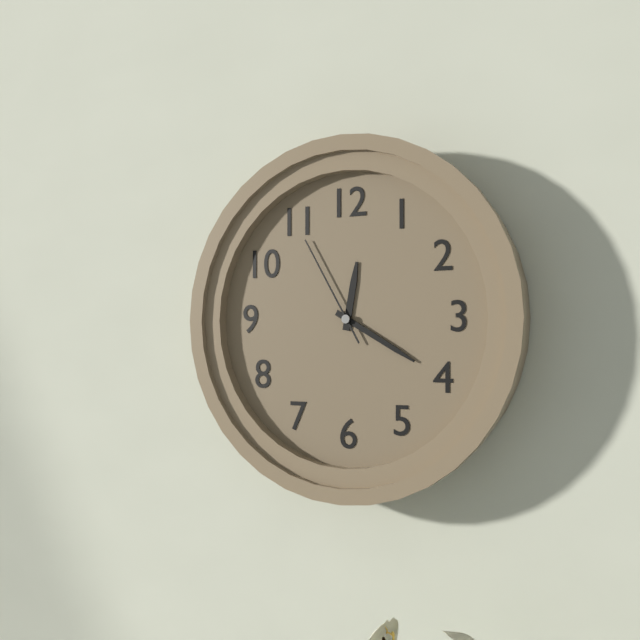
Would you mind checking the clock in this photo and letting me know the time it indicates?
12:20:55
